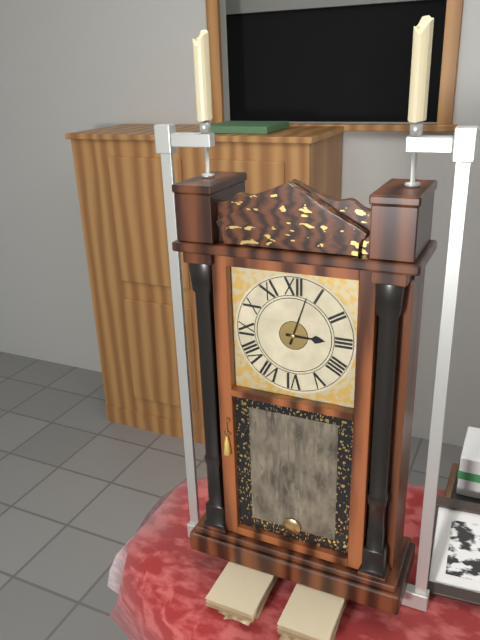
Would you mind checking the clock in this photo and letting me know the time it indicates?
3:03
